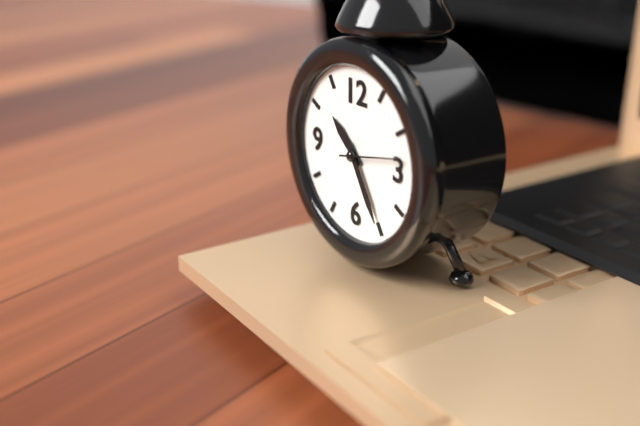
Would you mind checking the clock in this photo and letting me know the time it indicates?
10:25:13
